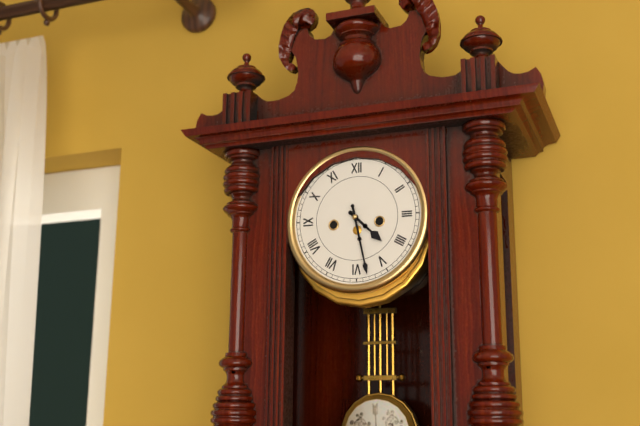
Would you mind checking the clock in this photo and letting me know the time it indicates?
4:28
